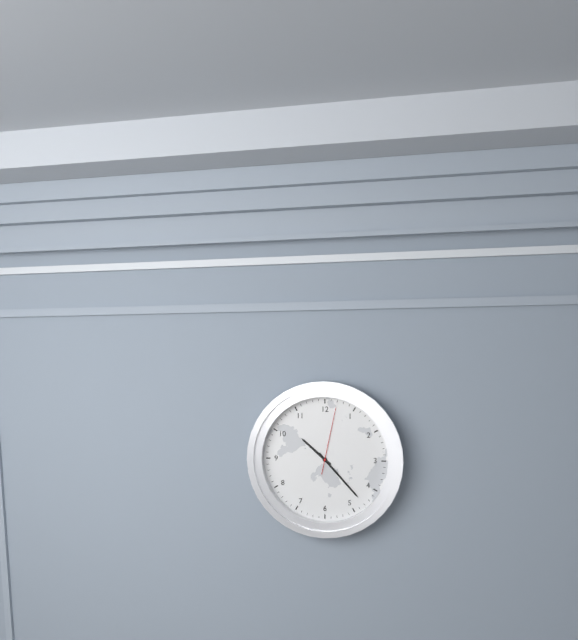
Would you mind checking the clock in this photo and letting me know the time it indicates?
10:23:02
